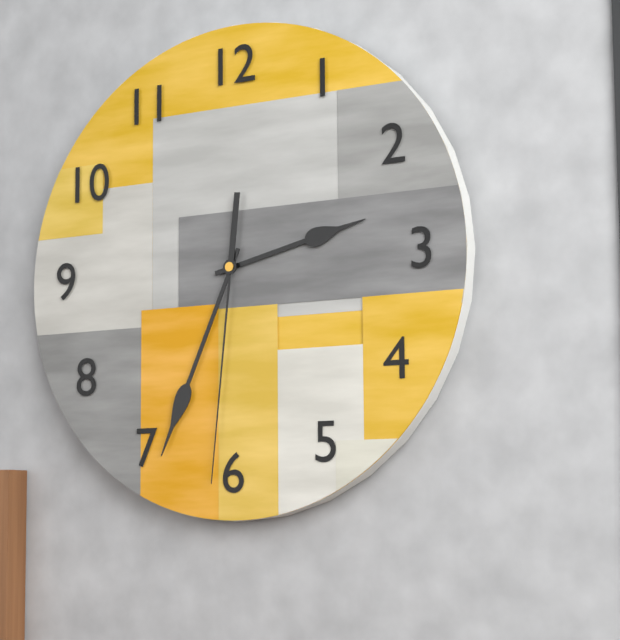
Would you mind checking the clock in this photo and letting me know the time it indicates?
2:34:31
